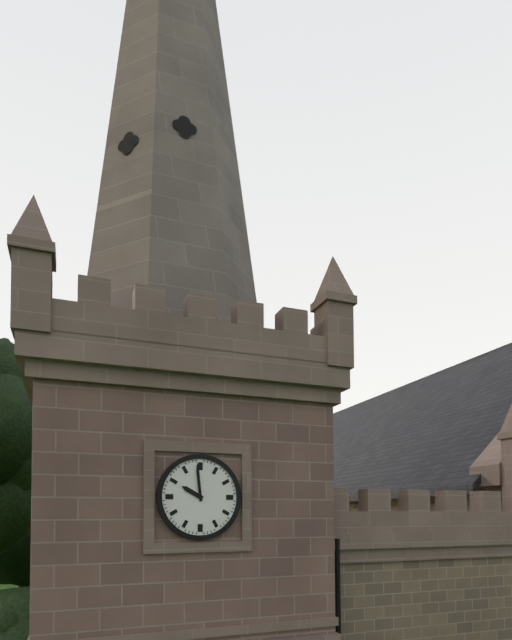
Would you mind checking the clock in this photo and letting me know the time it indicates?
9:59
